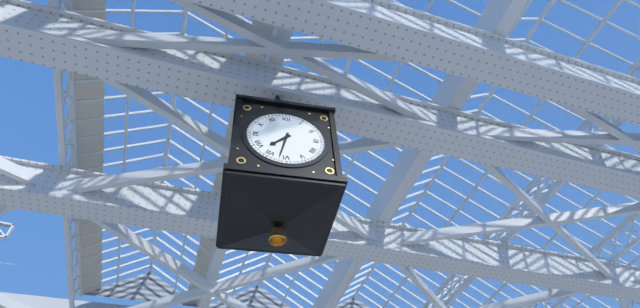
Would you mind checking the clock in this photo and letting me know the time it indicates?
7:32
